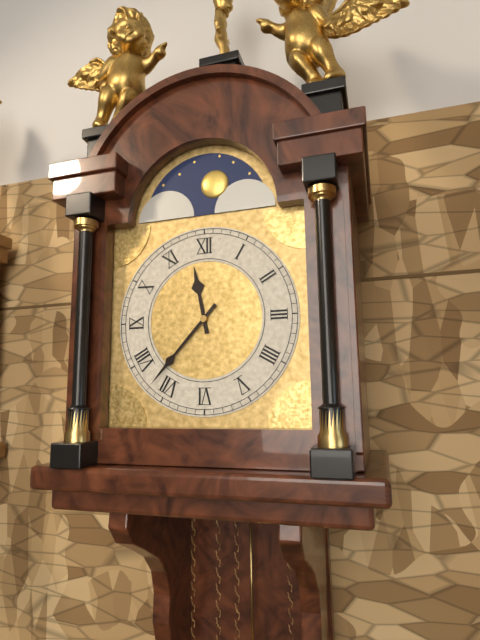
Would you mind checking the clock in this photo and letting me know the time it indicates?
11:37
